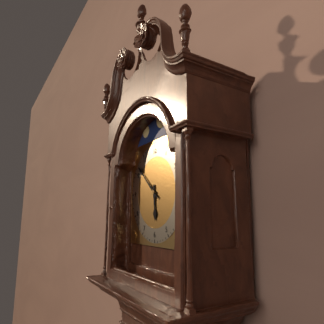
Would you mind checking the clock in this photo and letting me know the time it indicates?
5:52
